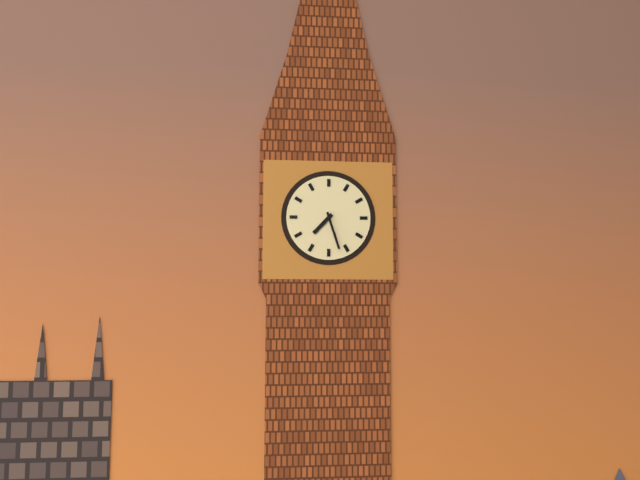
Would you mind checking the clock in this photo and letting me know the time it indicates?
7:27
